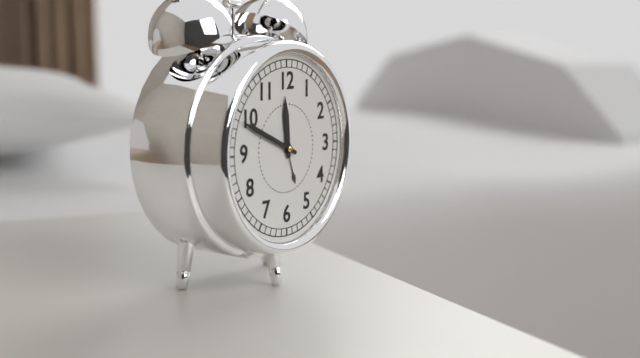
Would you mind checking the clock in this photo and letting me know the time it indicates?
11:49
